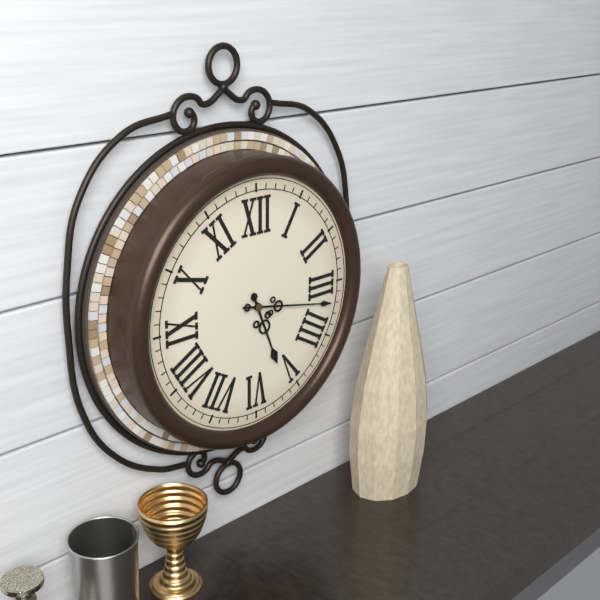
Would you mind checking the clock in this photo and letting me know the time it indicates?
5:17
